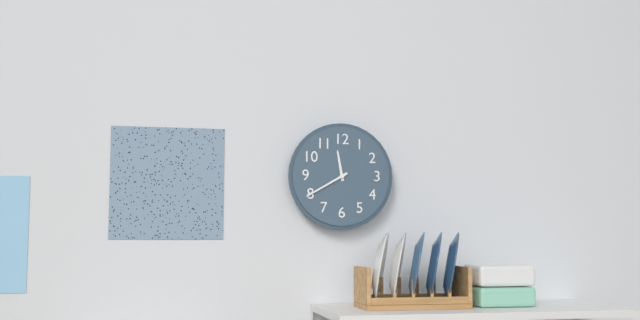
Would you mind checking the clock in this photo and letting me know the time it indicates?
11:40
